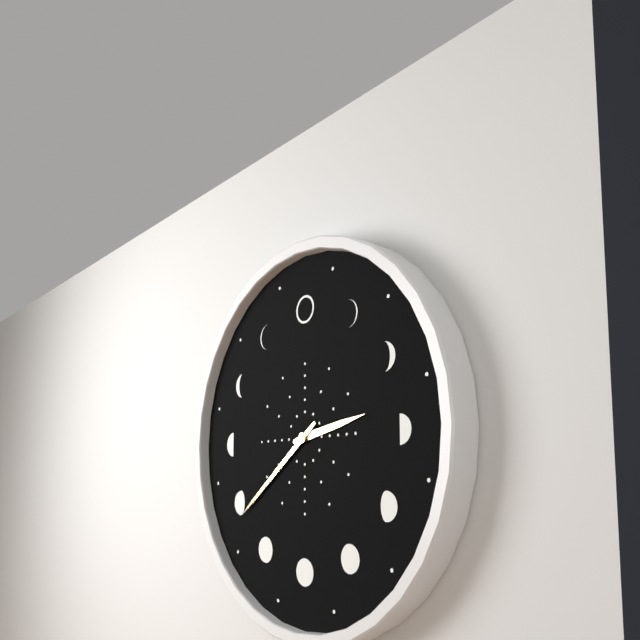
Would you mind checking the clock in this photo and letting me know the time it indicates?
2:39
